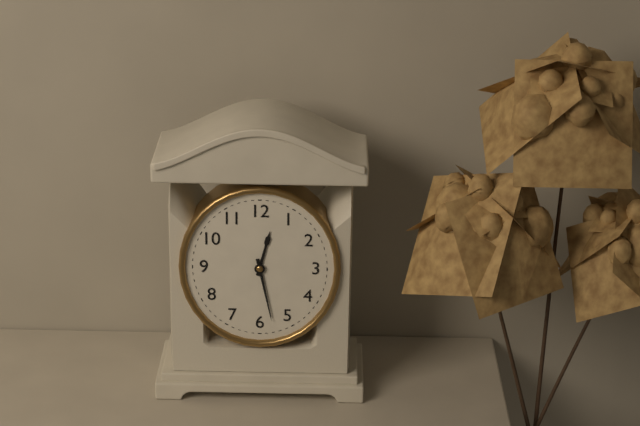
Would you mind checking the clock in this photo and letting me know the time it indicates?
12:28
